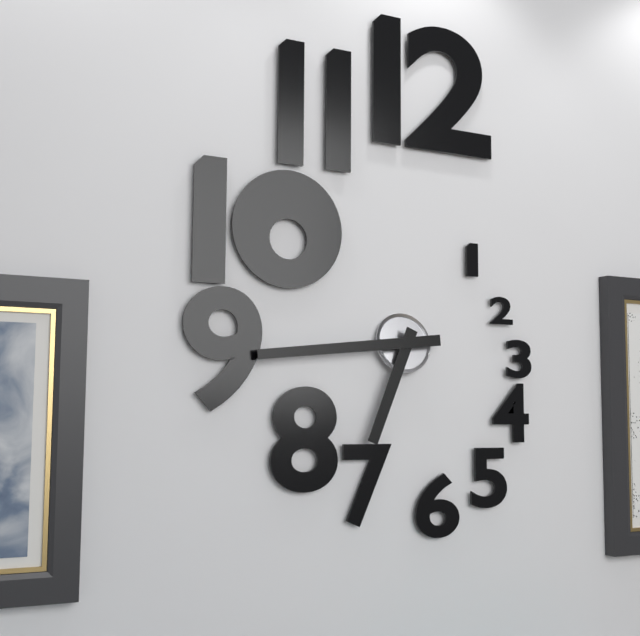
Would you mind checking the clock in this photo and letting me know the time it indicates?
6:44
